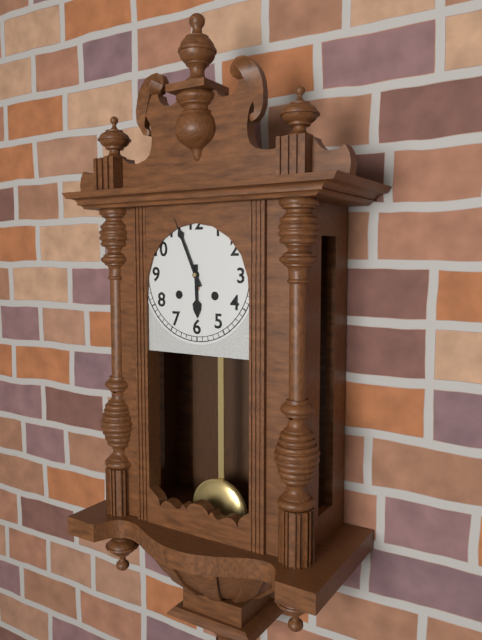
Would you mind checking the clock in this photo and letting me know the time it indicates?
5:56
